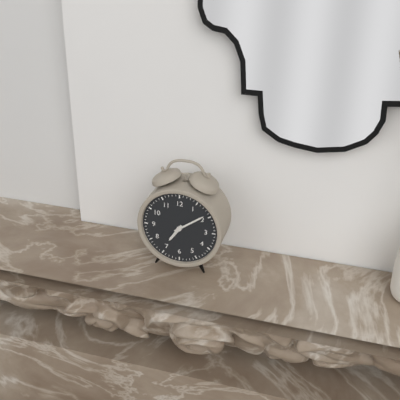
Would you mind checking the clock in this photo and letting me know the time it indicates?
7:09
